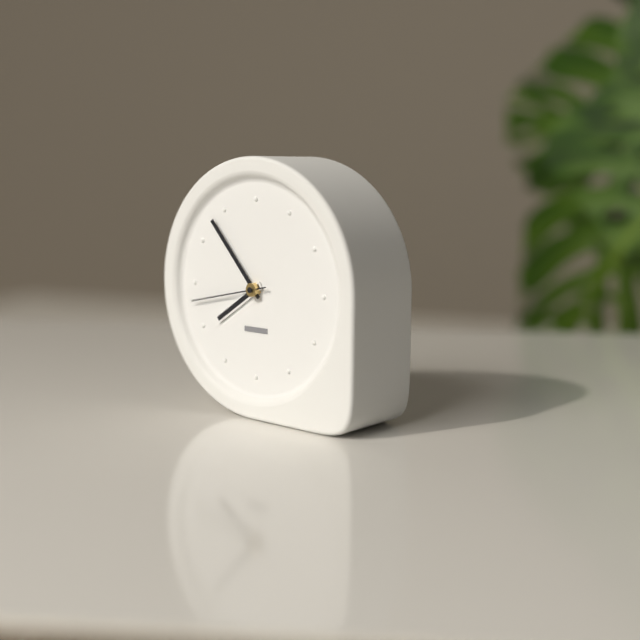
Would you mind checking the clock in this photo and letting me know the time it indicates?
7:53:43
